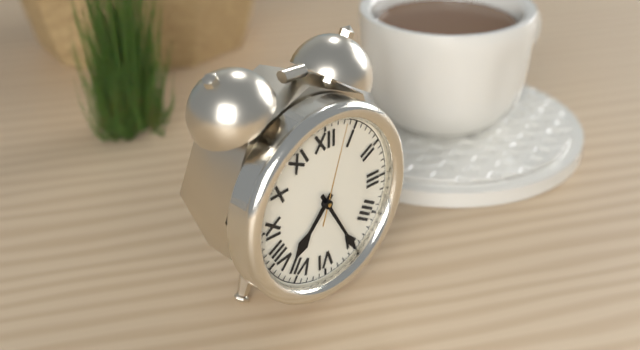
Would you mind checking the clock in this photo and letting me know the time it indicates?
7:25:03
